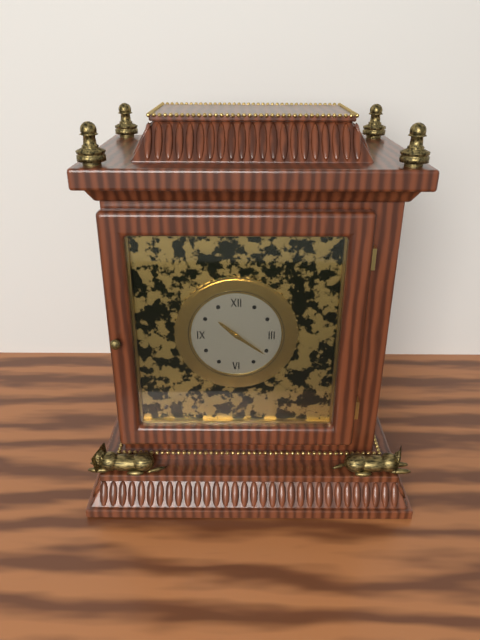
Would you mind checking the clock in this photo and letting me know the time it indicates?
10:21
